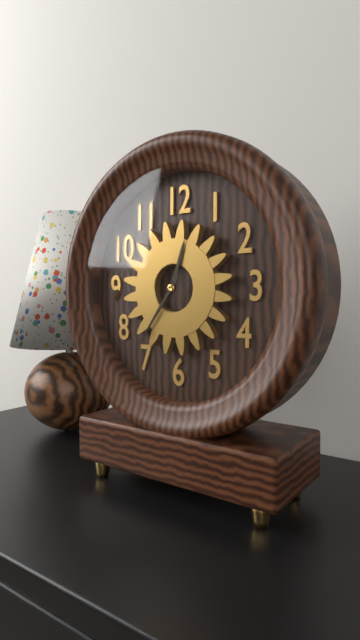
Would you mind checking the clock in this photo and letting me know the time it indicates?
12:36
